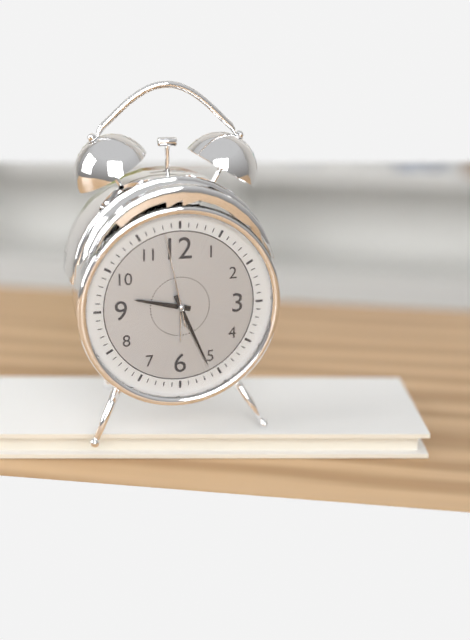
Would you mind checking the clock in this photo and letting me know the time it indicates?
9:26:58
